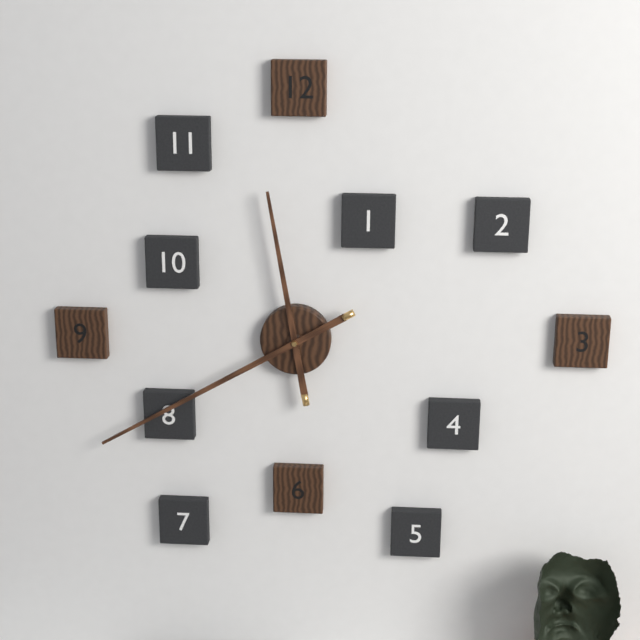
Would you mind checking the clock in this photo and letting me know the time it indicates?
11:40
